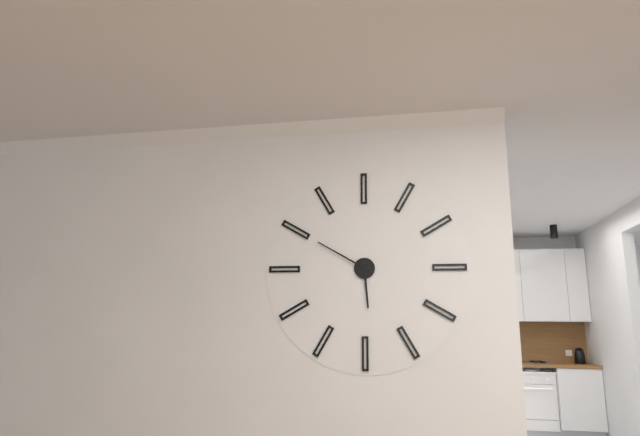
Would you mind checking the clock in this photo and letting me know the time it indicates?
5:50
